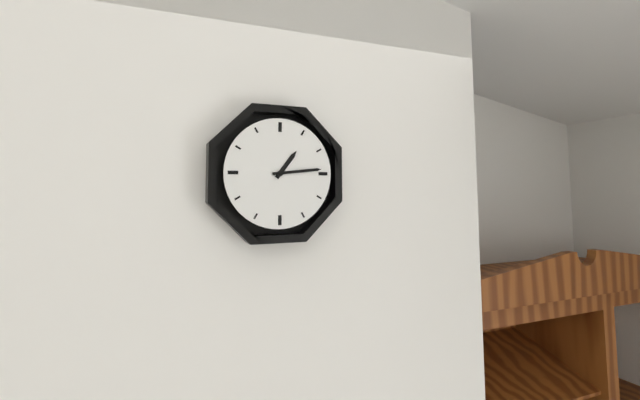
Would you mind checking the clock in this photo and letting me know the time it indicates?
1:14
